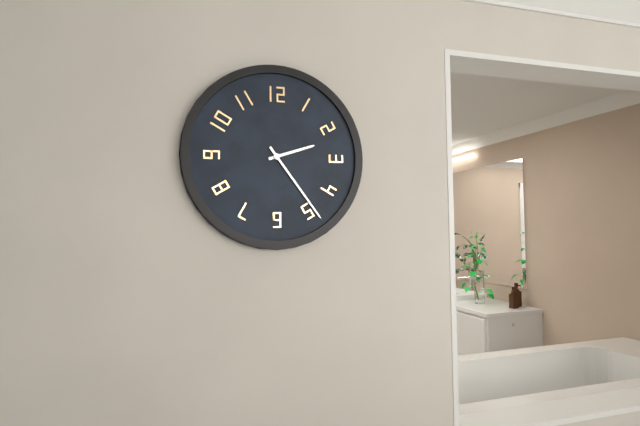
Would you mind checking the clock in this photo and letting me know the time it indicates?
2:24
